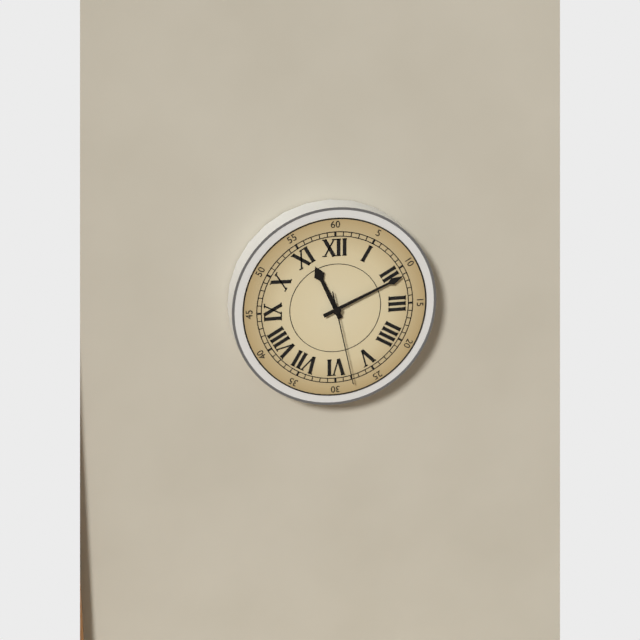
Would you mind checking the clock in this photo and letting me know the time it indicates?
11:11:28
